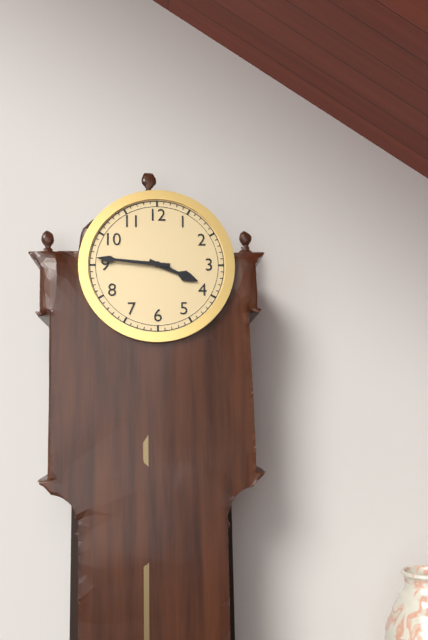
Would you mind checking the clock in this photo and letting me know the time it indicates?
3:46
